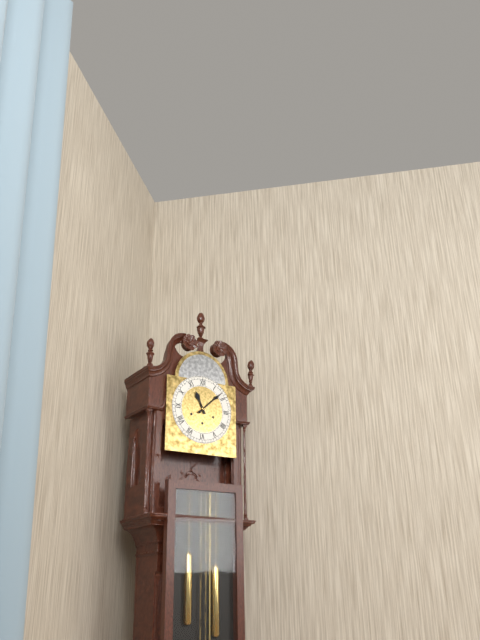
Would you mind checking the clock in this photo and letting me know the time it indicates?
11:08
